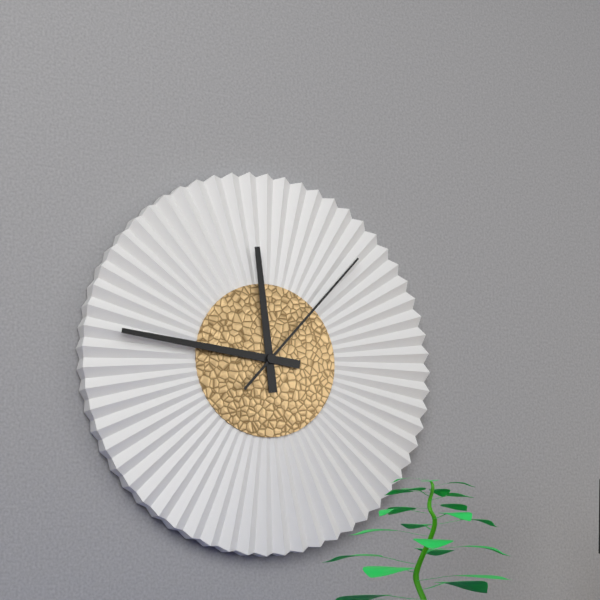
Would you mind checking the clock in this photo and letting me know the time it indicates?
11:46:07
